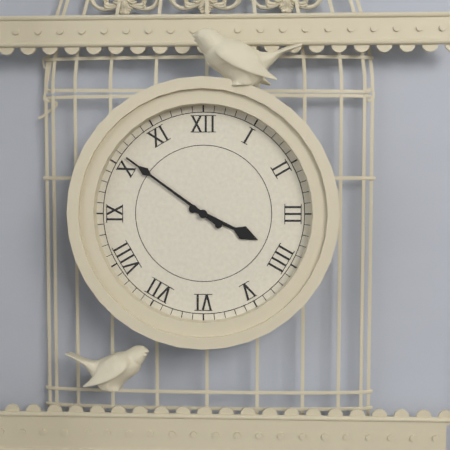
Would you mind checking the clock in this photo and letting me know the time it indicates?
3:51
